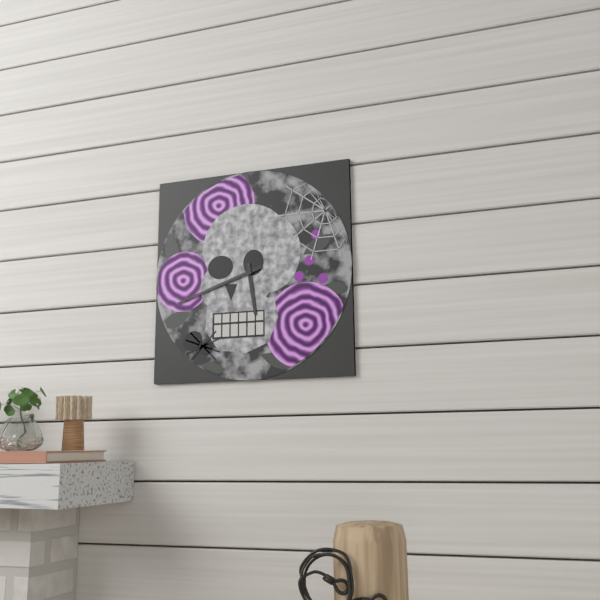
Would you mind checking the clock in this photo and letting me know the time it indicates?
5:42
